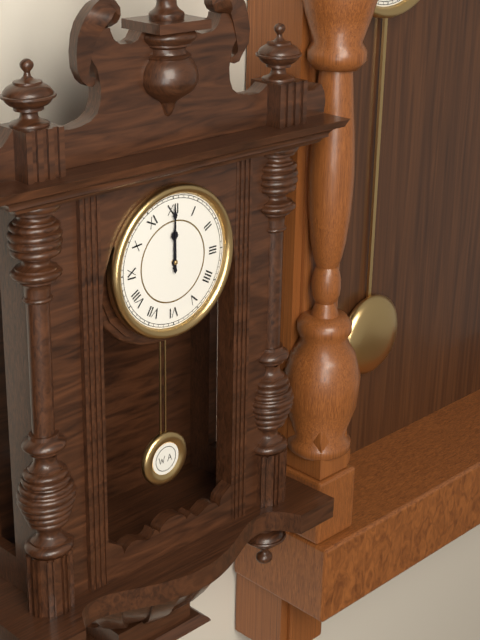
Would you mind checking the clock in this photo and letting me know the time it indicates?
12:00
